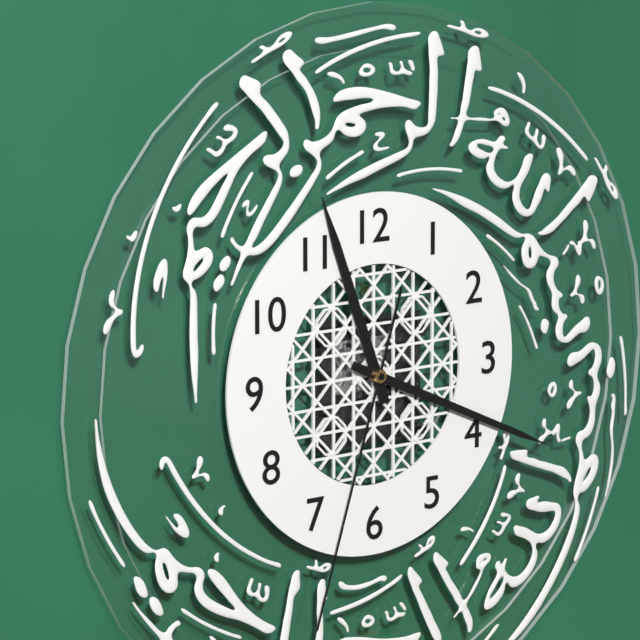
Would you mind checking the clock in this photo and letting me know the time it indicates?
11:19:33
